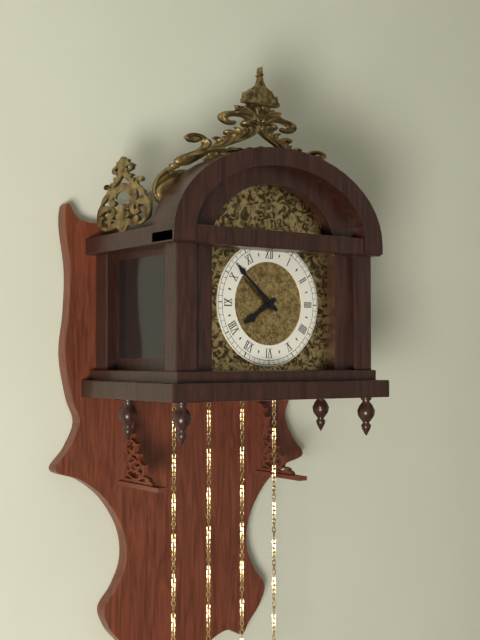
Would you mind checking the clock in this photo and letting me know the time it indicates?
7:52
